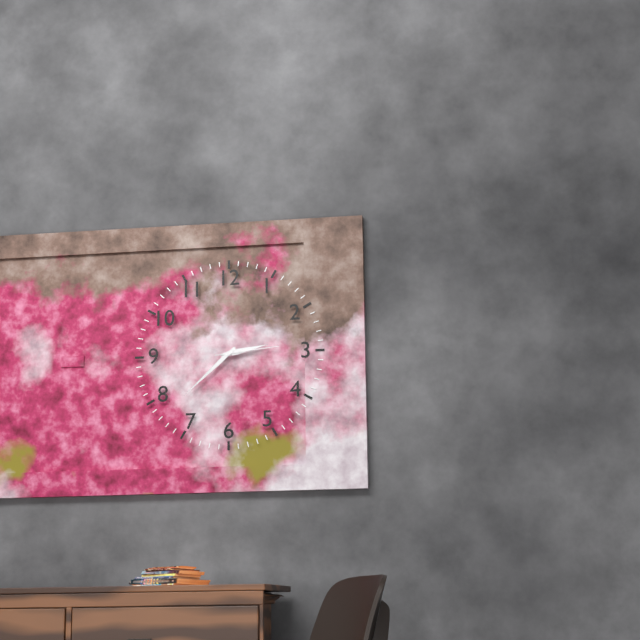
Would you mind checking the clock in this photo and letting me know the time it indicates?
2:38:14
